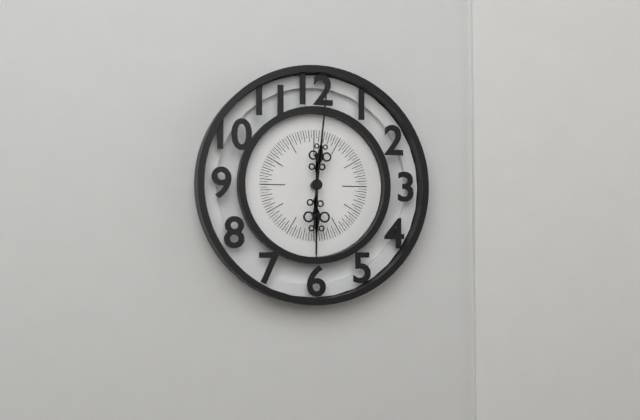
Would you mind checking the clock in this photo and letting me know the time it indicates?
6:01
